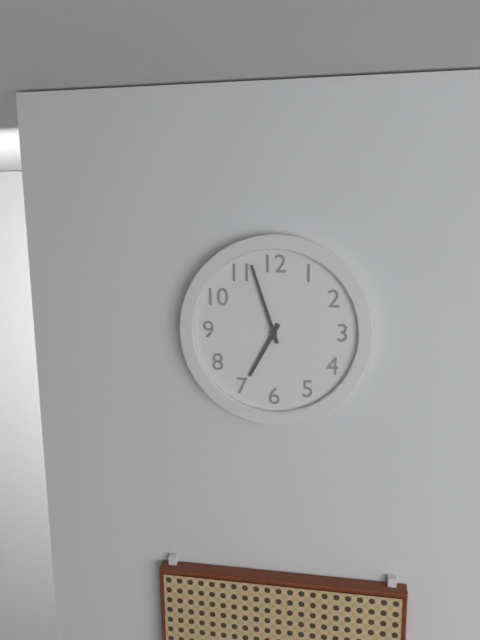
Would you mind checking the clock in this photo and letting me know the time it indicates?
6:57
